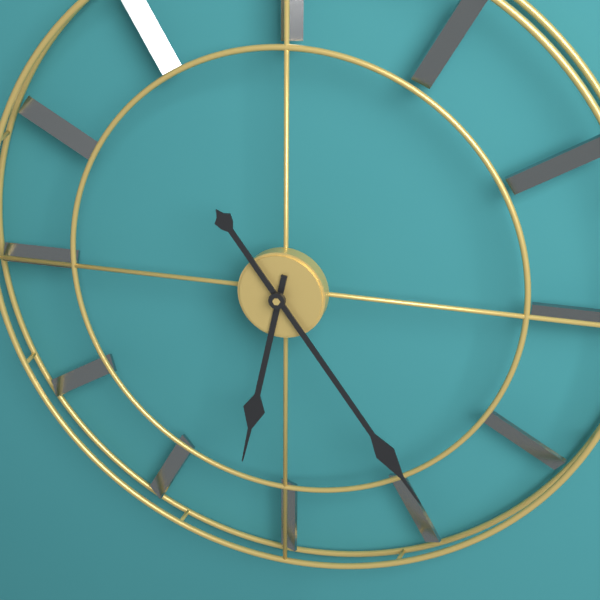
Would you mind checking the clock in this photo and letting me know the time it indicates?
6:24
